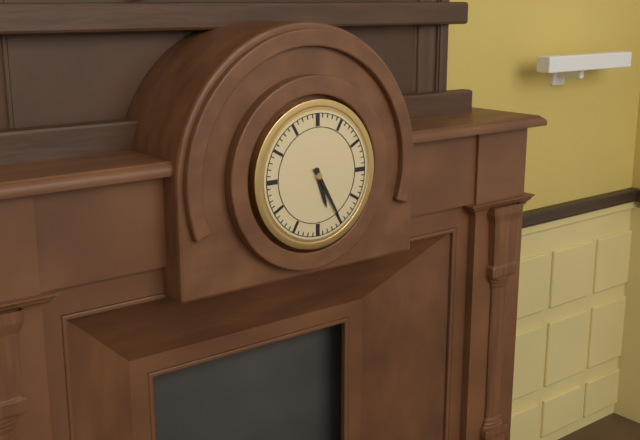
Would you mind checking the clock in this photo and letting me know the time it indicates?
5:25
